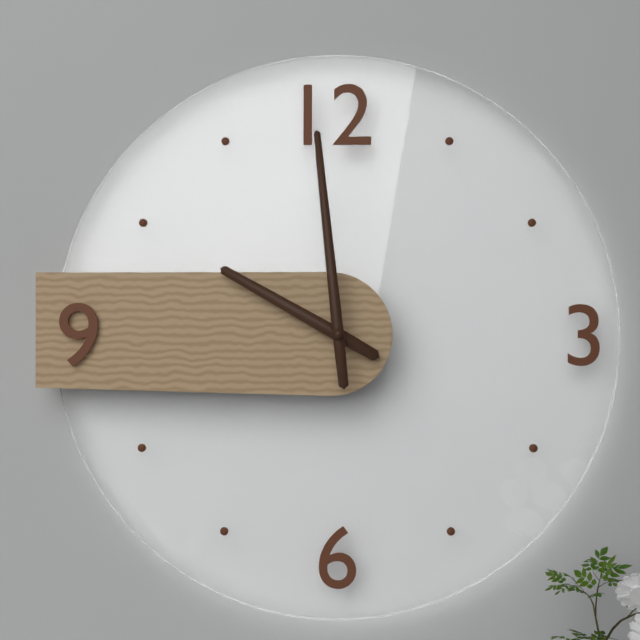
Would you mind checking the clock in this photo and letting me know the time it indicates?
9:59
